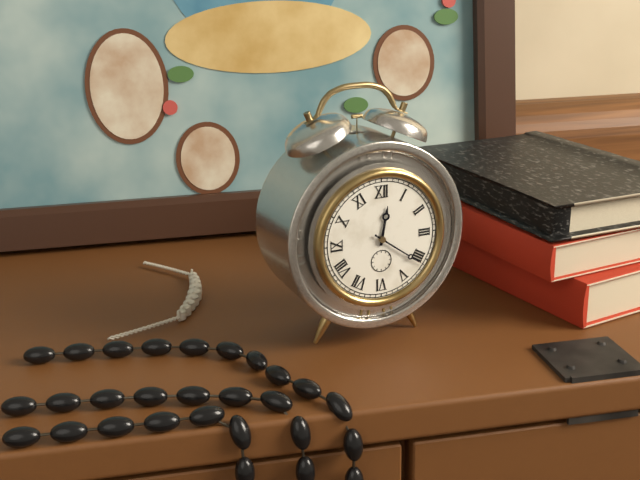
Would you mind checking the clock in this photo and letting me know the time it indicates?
12:21
